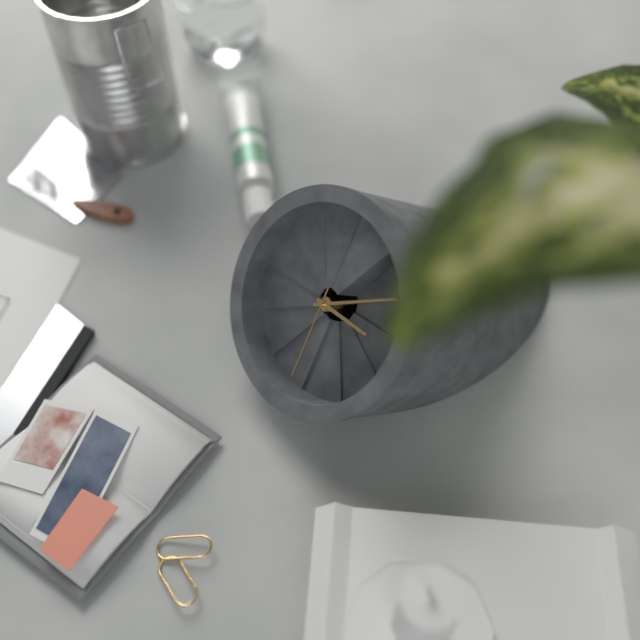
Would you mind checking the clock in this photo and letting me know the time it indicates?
2:05:25
